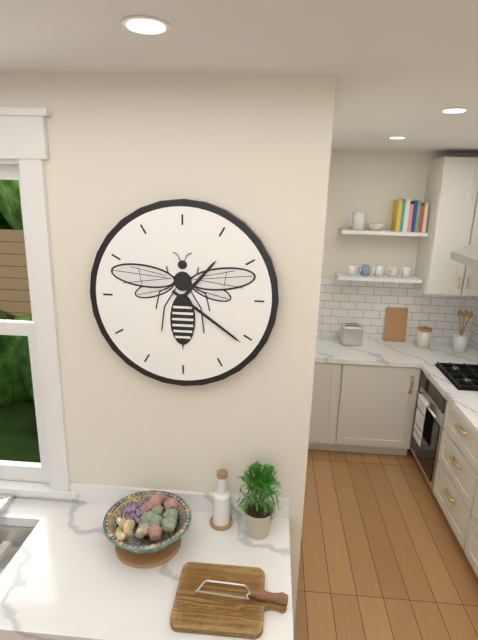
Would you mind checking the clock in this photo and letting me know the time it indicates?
1:21
